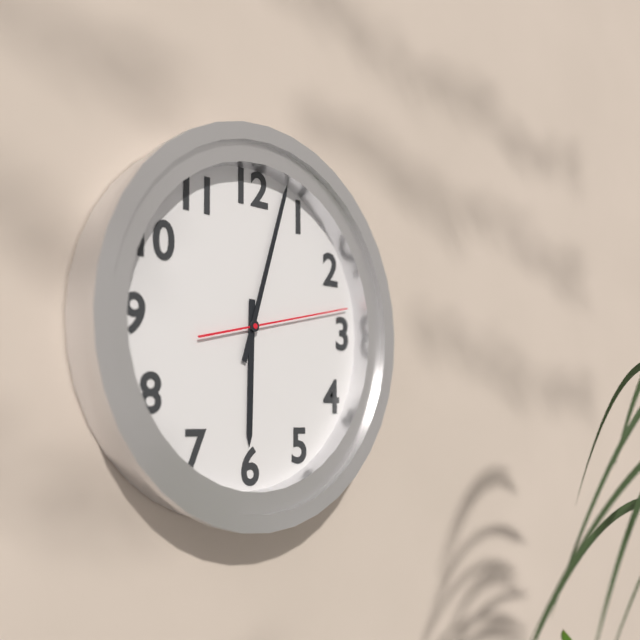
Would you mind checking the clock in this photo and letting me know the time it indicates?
6:03:13
